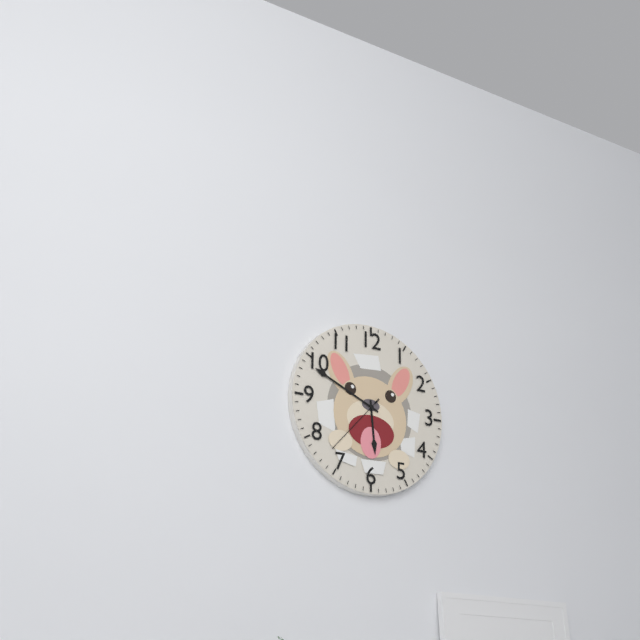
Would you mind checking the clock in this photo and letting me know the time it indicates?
5:49:37
